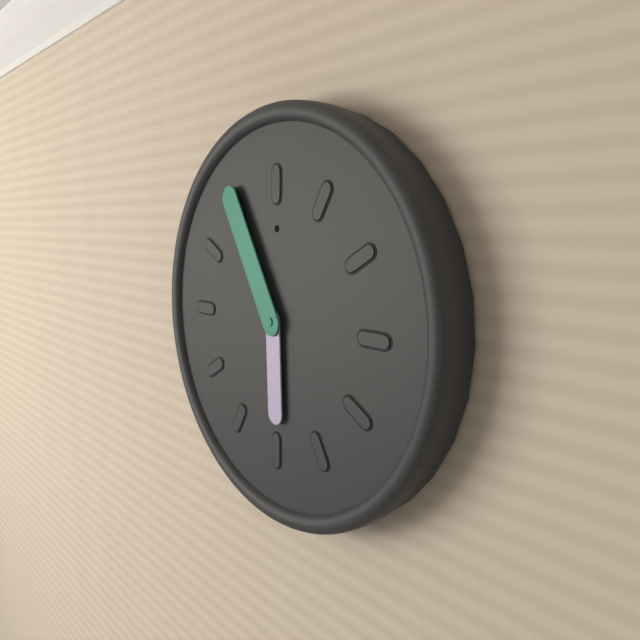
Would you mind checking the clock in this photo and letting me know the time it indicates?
5:55
